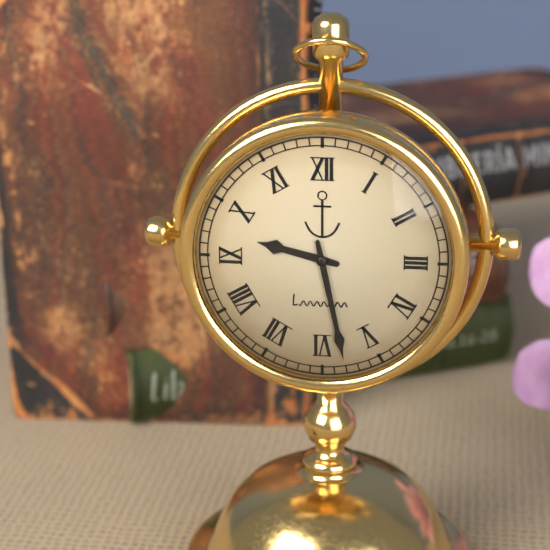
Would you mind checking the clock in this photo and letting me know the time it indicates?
9:28
